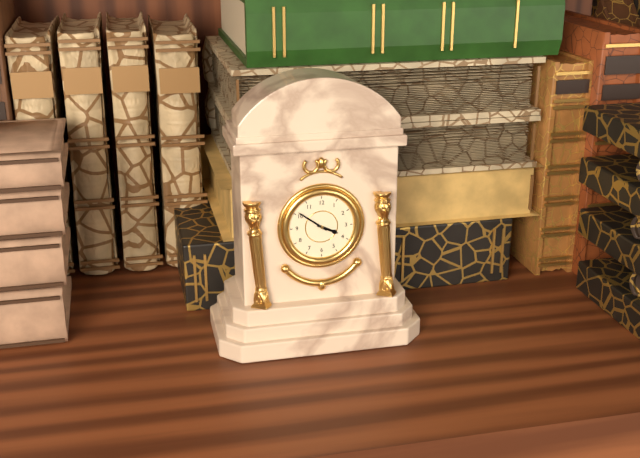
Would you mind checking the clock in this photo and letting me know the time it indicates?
3:51
